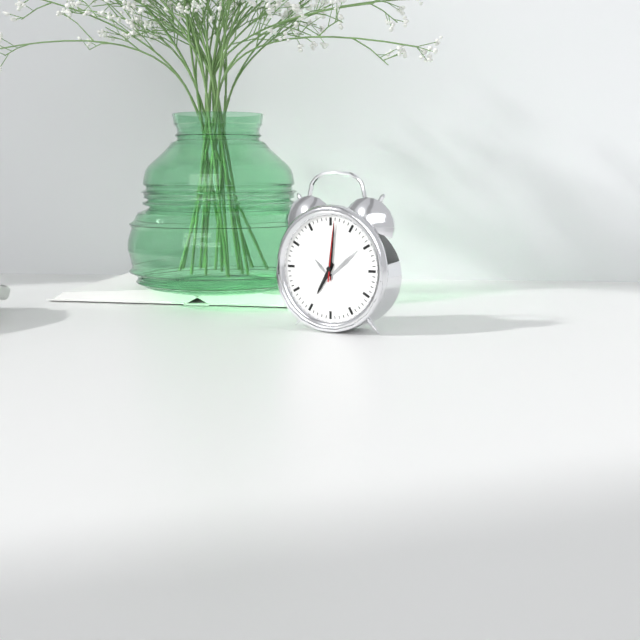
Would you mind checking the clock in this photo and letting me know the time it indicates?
7:01:01
